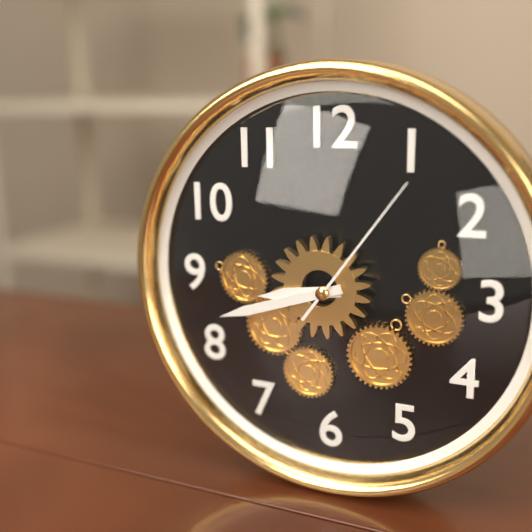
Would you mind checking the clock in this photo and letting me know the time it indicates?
8:42:06
